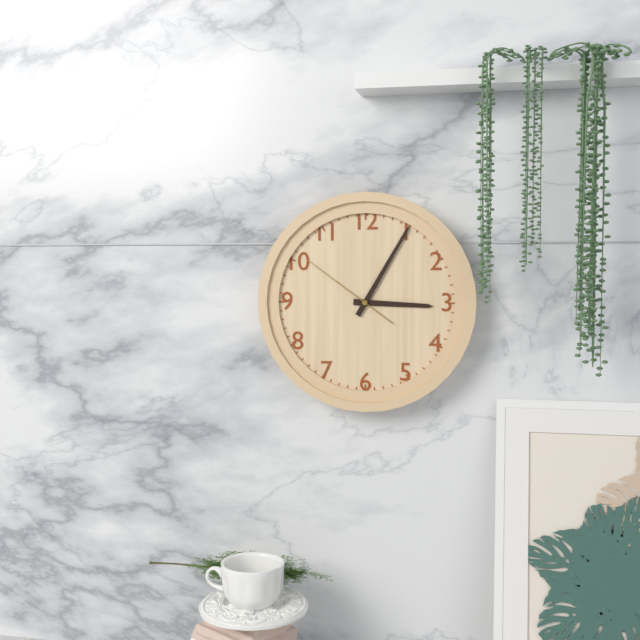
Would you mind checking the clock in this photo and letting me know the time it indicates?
3:05:51
